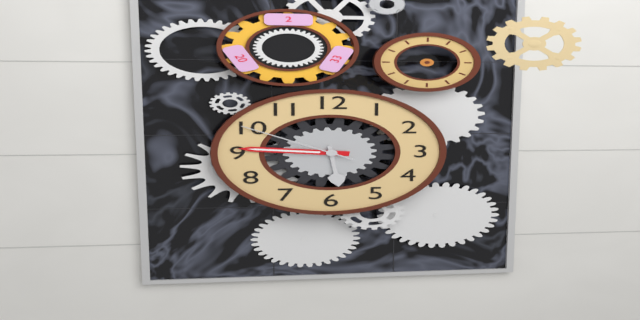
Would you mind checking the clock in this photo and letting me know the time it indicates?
5:46:50
